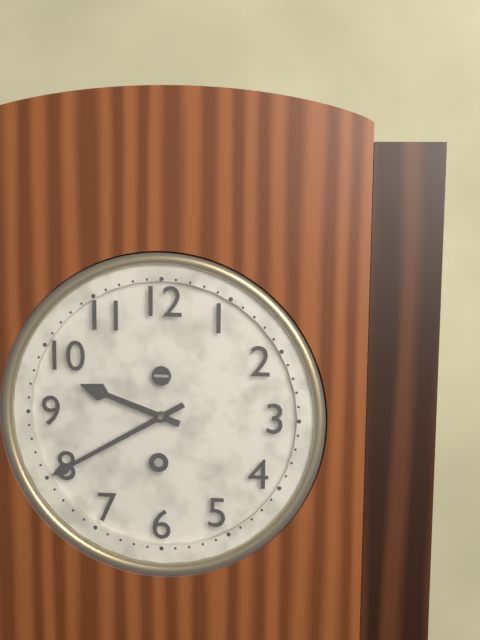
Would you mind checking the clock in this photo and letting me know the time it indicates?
9:40
